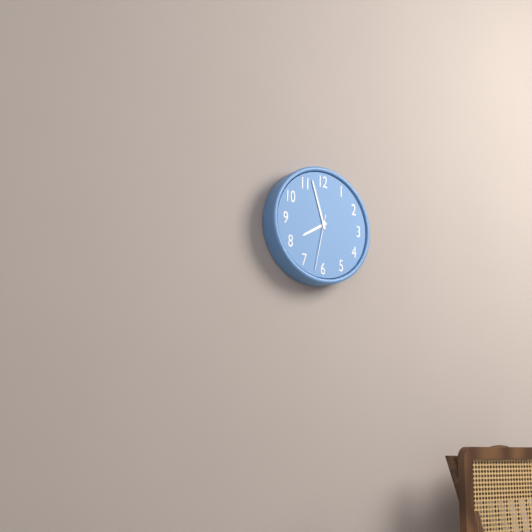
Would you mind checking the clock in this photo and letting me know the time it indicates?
7:57:32
